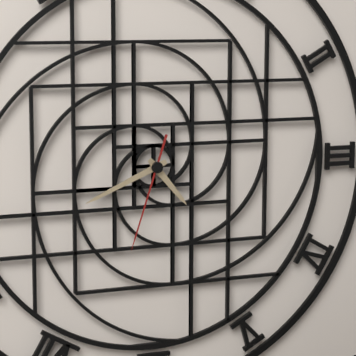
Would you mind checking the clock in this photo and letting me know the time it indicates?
4:41:33
